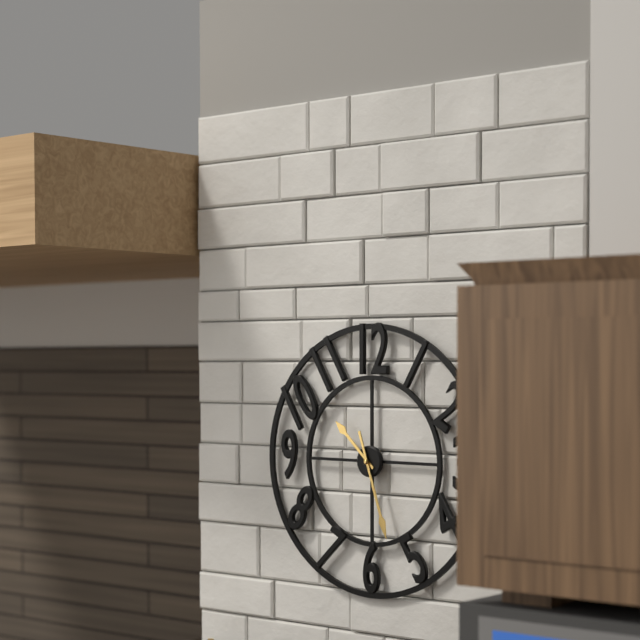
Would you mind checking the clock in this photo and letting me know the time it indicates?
10:27
